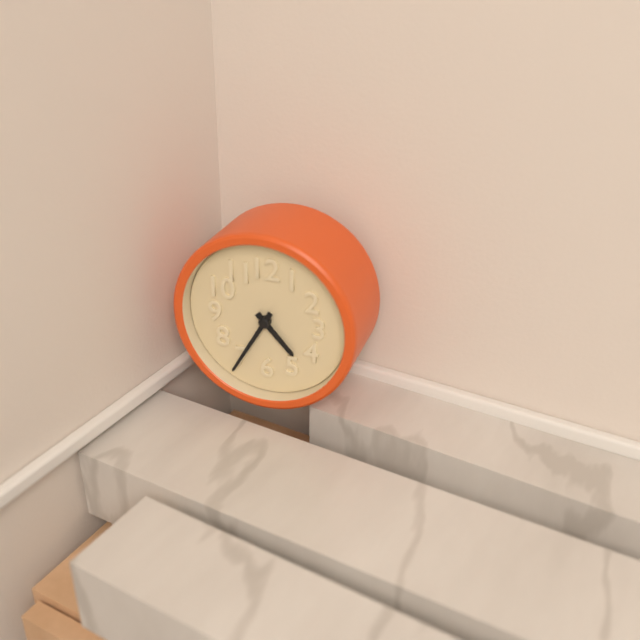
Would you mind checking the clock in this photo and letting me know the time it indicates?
4:35
